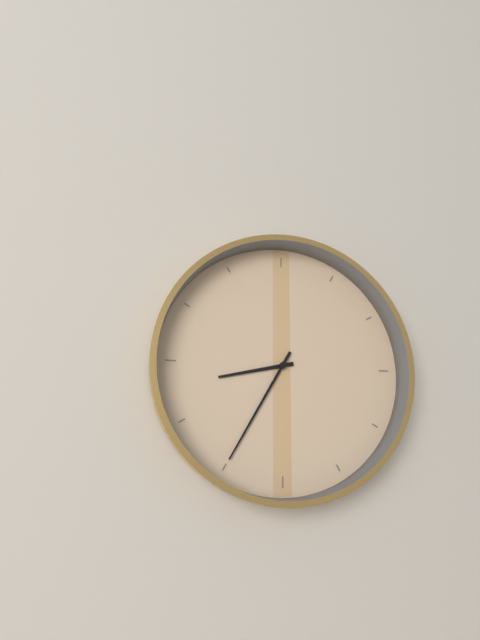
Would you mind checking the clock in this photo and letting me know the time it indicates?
8:35
